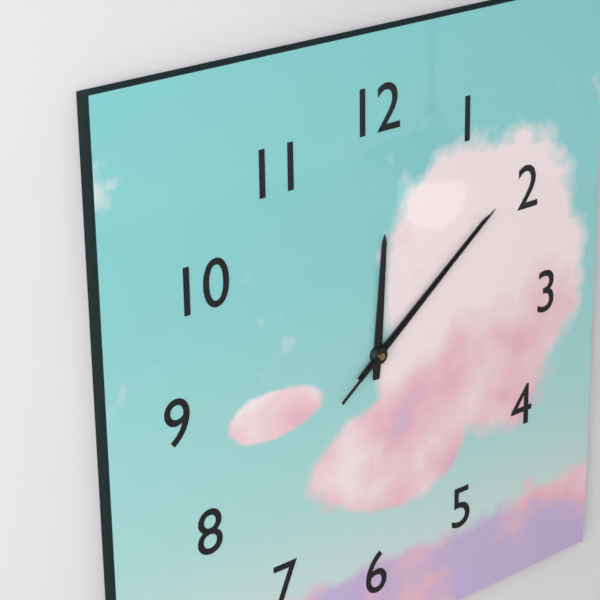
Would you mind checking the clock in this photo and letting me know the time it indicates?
12:09:09
